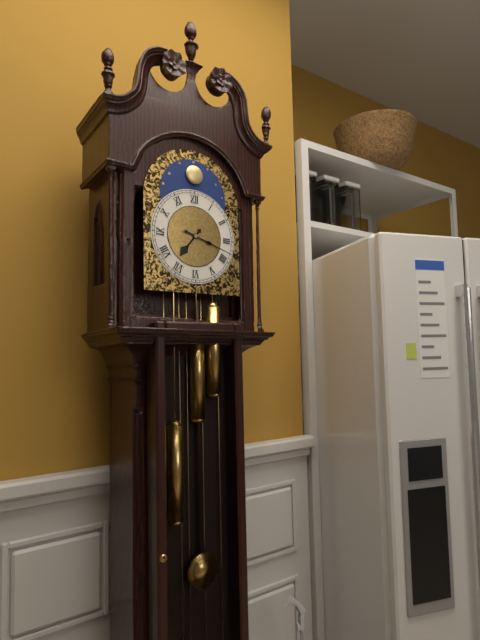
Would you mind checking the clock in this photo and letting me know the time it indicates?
7:18
